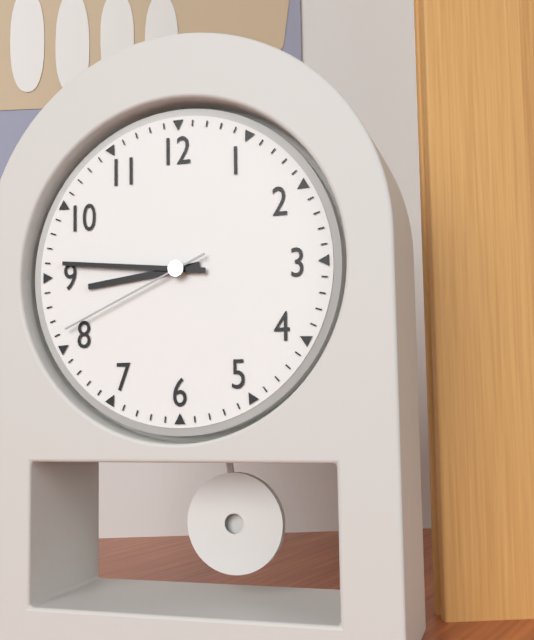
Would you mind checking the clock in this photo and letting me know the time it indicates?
8:46:41
